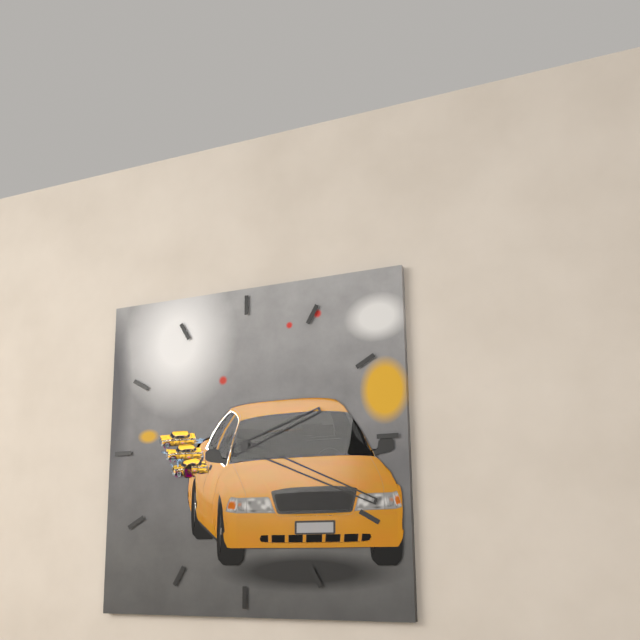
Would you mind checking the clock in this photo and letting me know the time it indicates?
2:19
